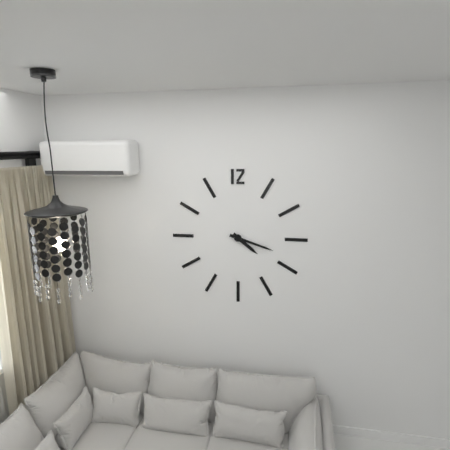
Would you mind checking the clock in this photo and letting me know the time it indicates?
4:18
